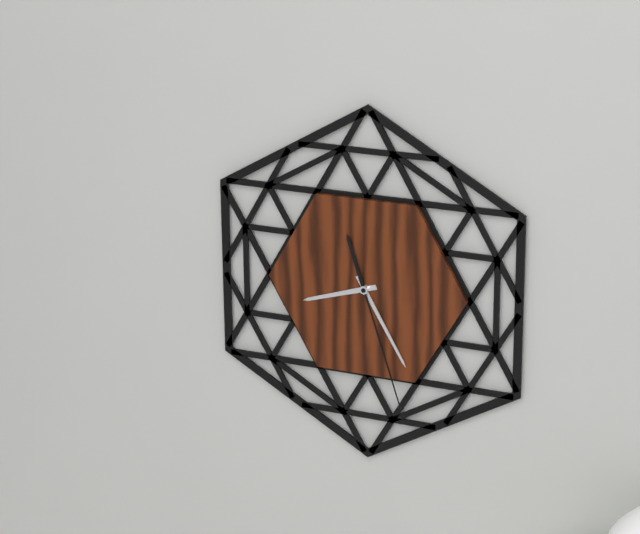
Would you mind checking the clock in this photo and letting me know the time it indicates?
8:25:27
